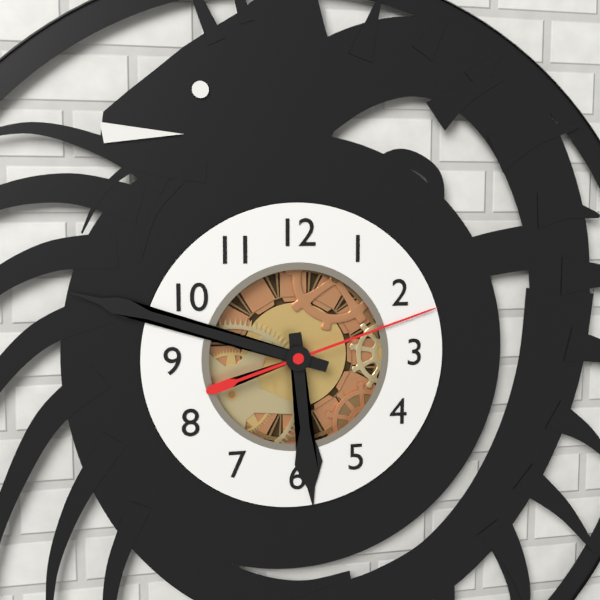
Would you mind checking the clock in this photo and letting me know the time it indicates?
5:48:12
